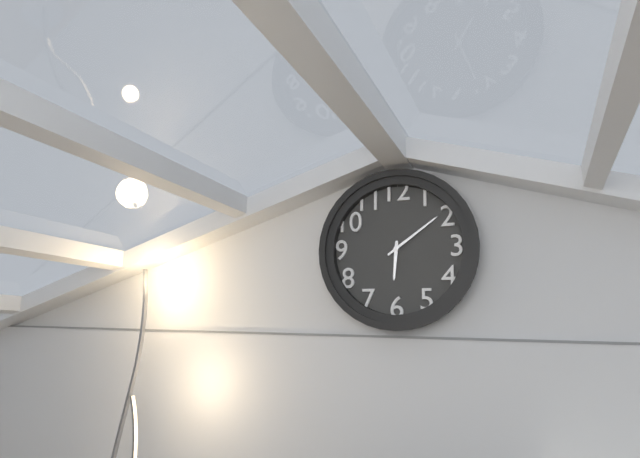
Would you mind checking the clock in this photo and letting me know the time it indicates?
6:09
